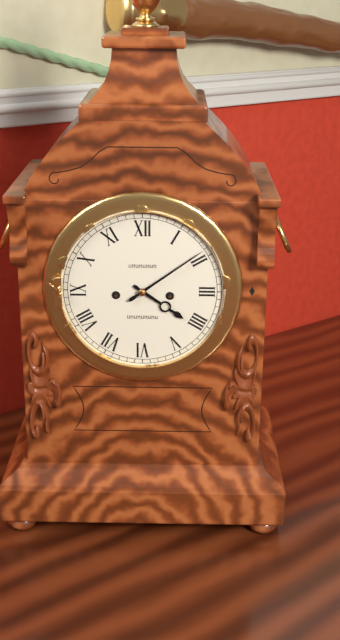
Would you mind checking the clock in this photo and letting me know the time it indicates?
4:09
